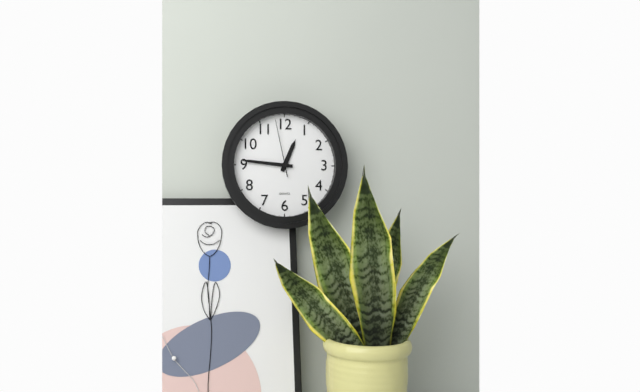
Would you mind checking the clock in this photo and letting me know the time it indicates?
12:46:58
